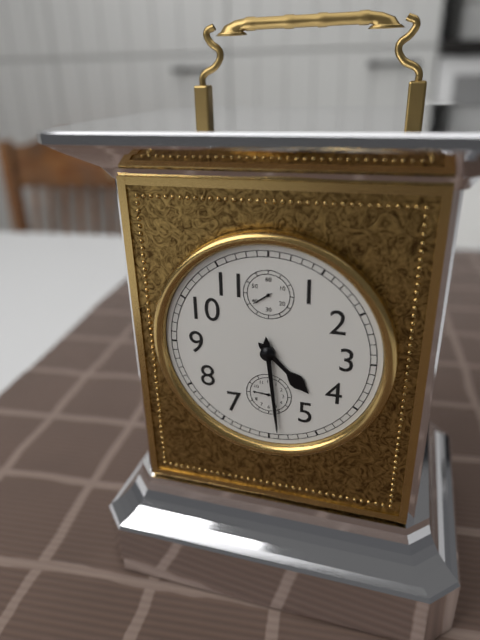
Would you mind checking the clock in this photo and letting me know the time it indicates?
4:29
